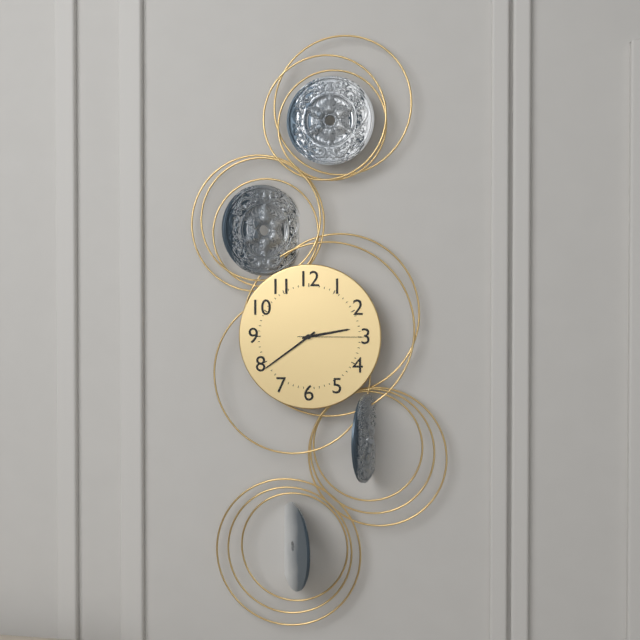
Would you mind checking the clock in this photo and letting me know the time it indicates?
2:39:15
